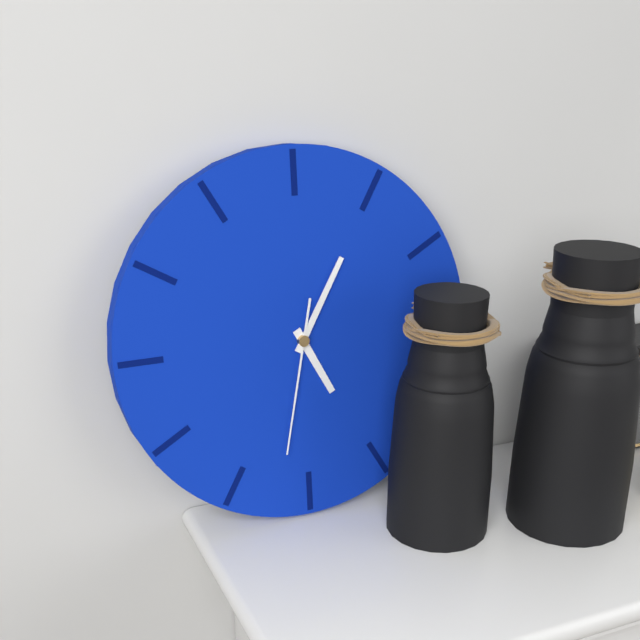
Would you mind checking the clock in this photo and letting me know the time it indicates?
5:05:32
